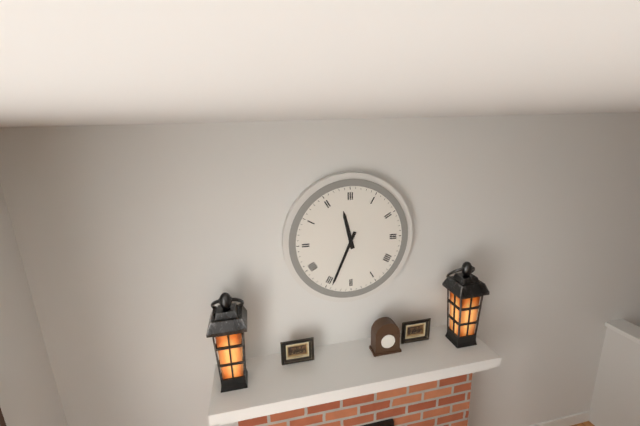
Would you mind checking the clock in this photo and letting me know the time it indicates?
11:34
